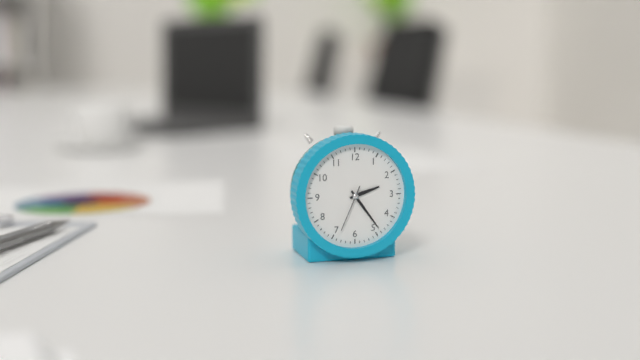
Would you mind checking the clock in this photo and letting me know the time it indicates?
2:24
